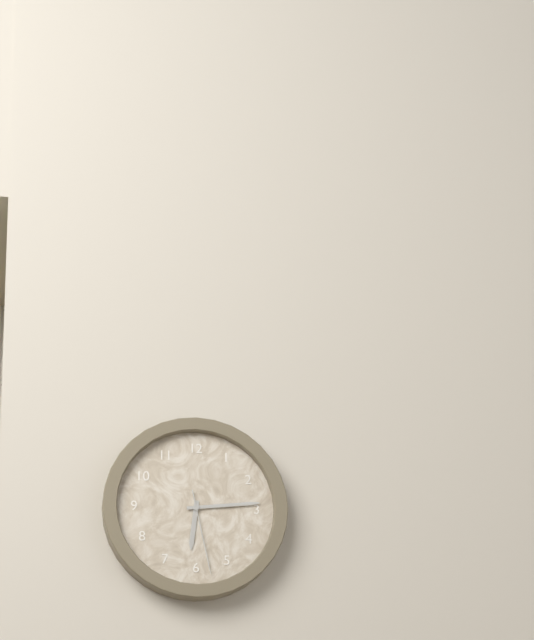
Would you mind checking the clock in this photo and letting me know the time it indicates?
6:14:28
